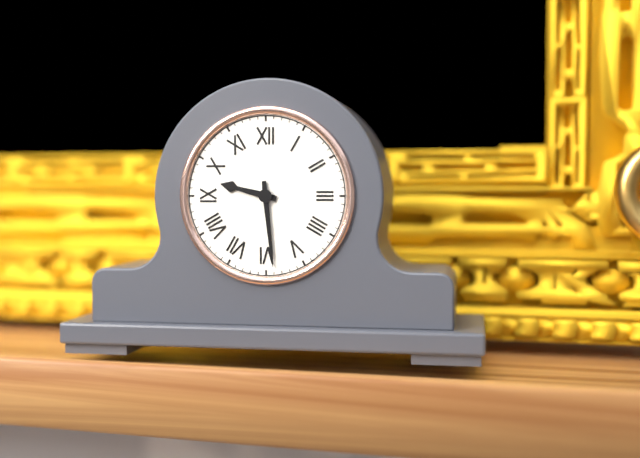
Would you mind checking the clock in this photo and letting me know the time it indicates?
9:29
